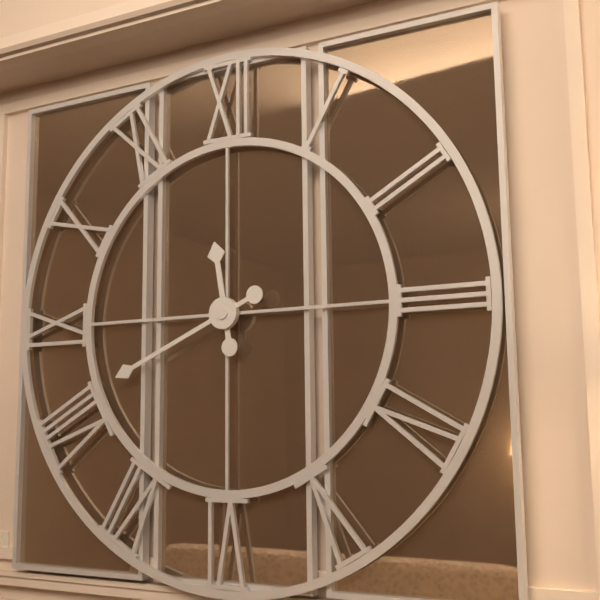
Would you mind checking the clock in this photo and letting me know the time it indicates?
11:41
